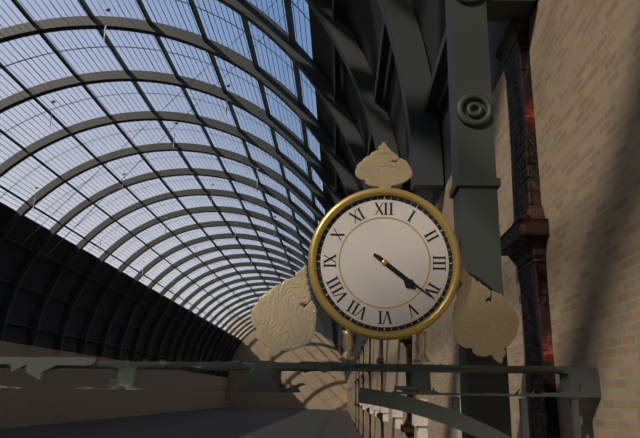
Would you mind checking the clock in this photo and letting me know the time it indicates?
4:21
